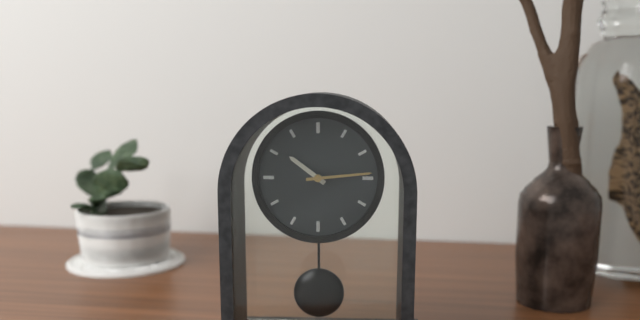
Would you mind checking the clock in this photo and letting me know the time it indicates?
10:14
